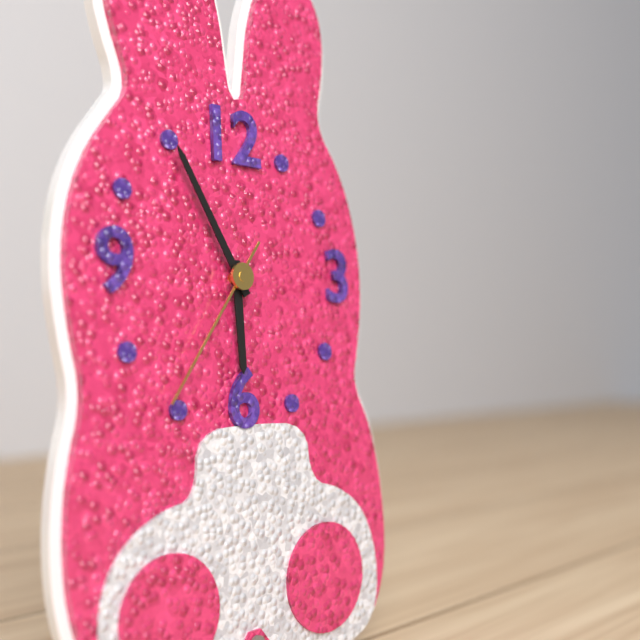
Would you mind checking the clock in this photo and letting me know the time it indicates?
5:55:36
